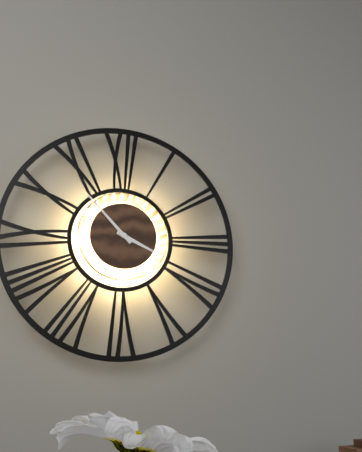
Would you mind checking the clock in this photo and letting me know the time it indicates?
3:53
